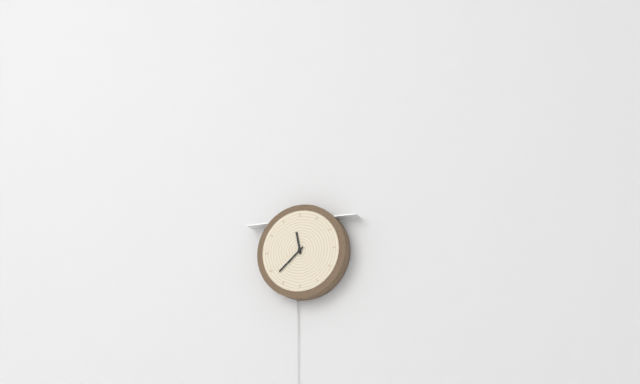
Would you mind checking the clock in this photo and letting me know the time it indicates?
11:38
